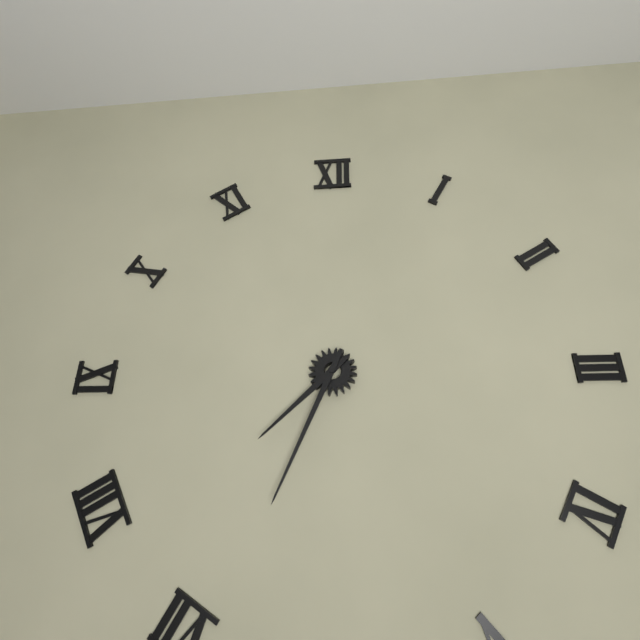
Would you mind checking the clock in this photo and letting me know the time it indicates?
7:34
